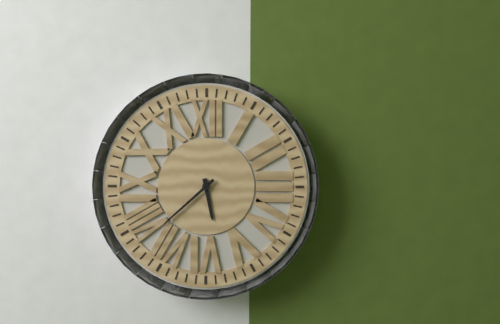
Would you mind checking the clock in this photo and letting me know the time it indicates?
5:38
